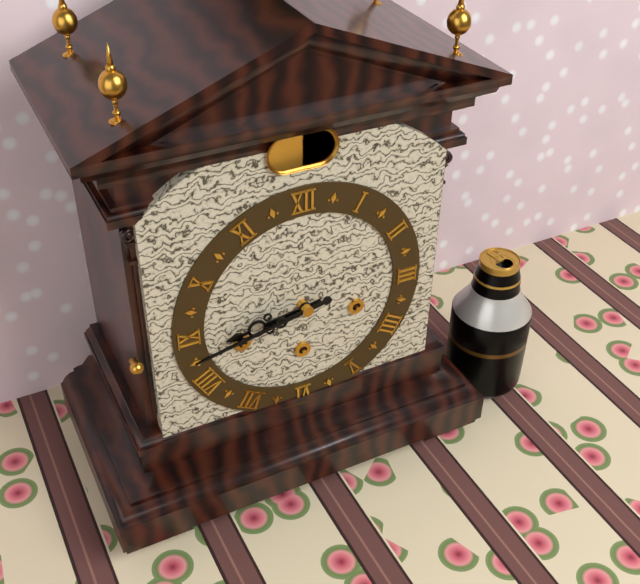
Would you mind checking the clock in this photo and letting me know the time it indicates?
8:43
